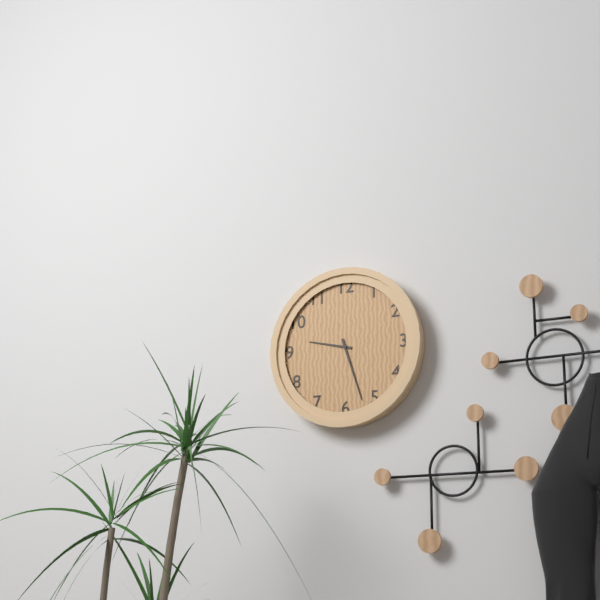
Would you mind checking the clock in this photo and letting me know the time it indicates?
9:27
